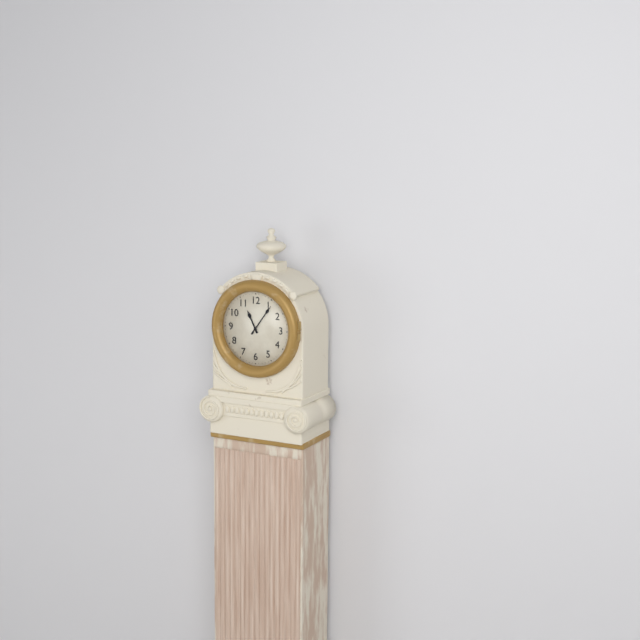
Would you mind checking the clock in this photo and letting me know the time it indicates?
11:06
